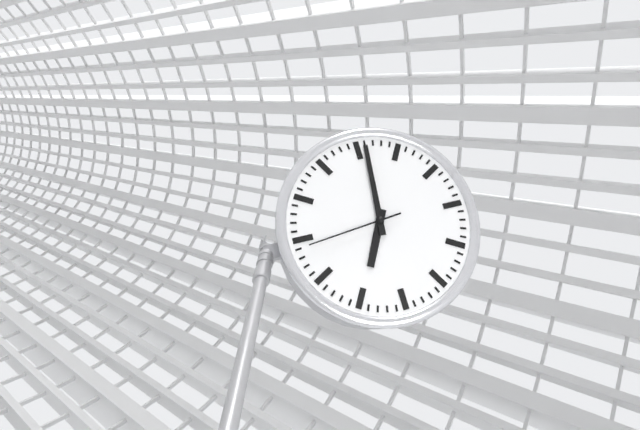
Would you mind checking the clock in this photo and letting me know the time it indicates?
5:56:39
